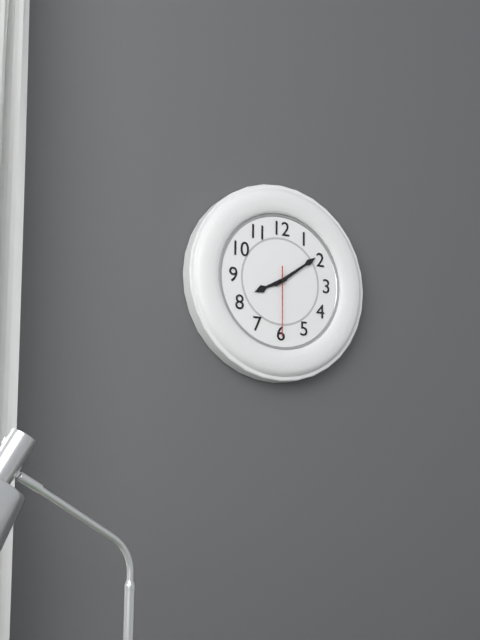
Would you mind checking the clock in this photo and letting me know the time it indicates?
8:09:30
